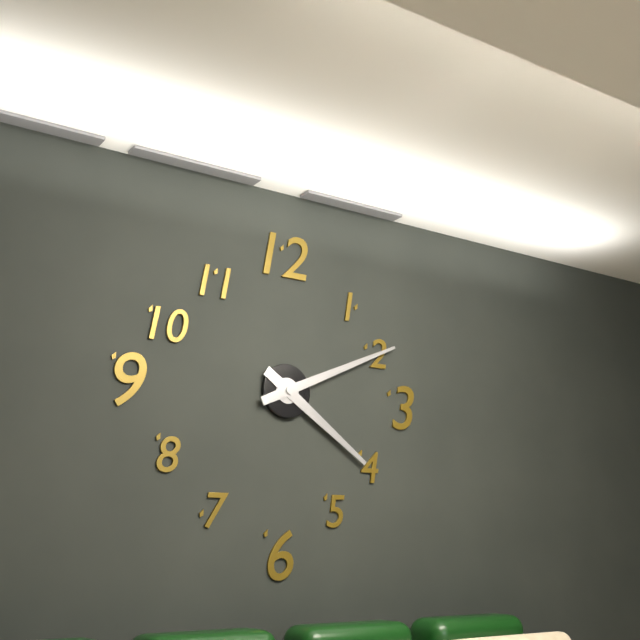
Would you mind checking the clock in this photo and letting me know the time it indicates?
4:11
